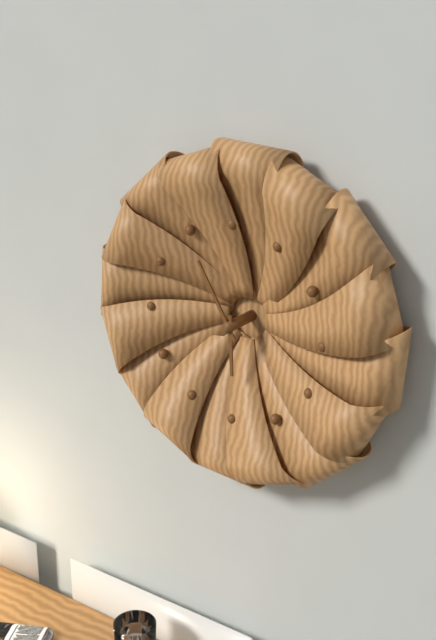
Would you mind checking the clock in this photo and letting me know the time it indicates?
5:55
